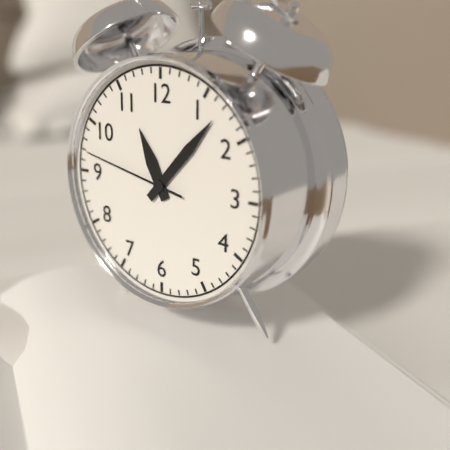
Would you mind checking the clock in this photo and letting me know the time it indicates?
11:07:47
